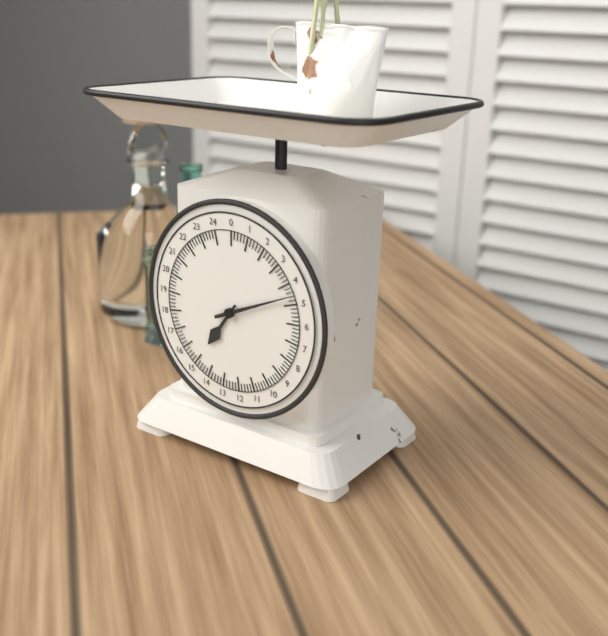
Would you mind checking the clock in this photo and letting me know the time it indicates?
7:11
